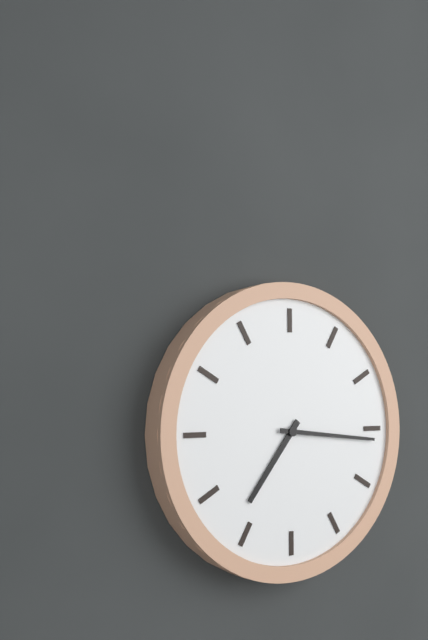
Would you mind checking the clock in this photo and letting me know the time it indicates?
7:16
